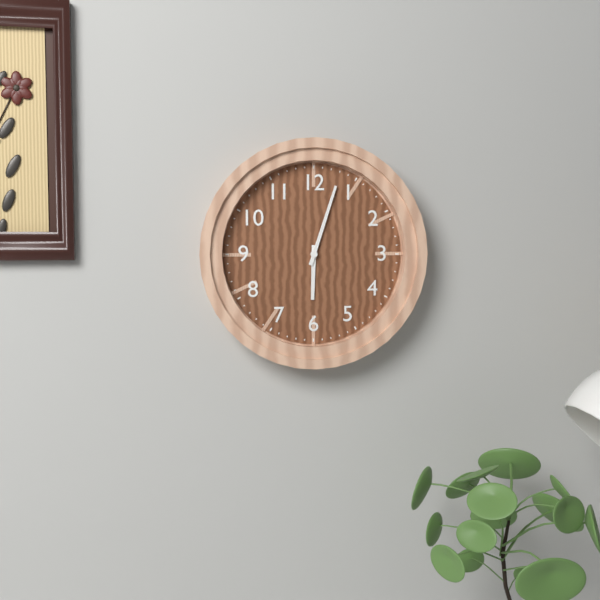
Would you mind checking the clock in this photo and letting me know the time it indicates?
6:03
